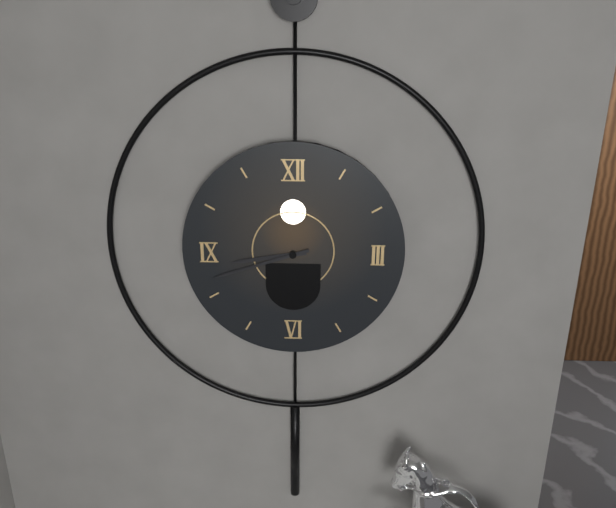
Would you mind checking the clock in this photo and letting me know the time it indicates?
8:42
